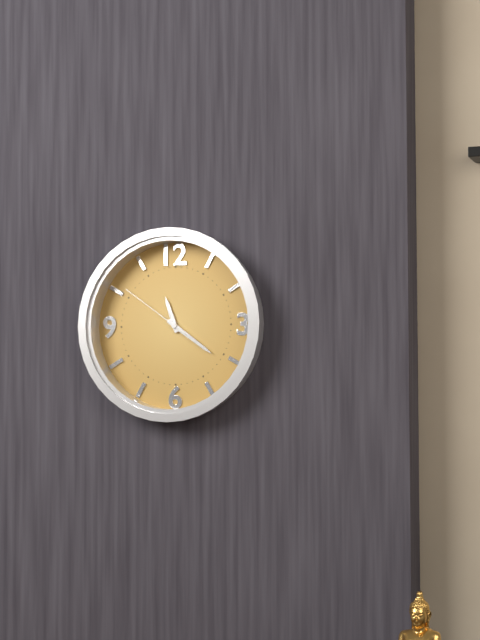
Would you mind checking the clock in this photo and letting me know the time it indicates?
11:21:51
